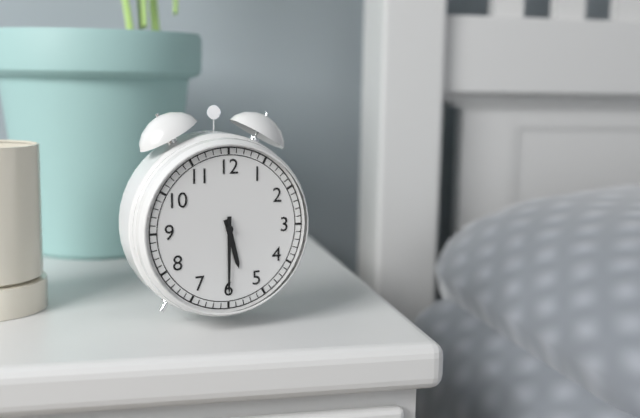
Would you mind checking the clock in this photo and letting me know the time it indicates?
5:30
